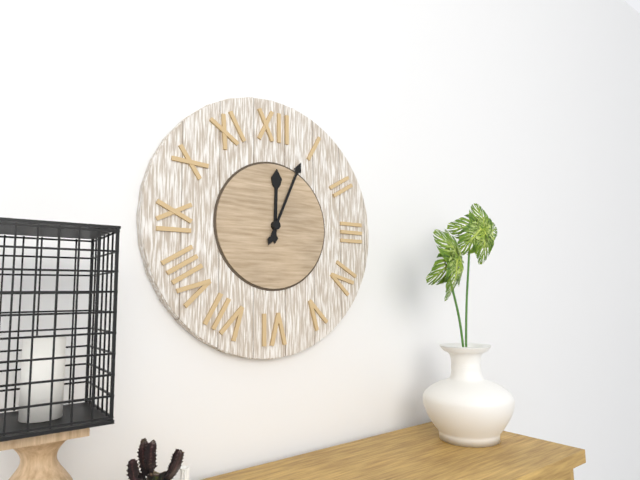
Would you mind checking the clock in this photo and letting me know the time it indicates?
12:04
